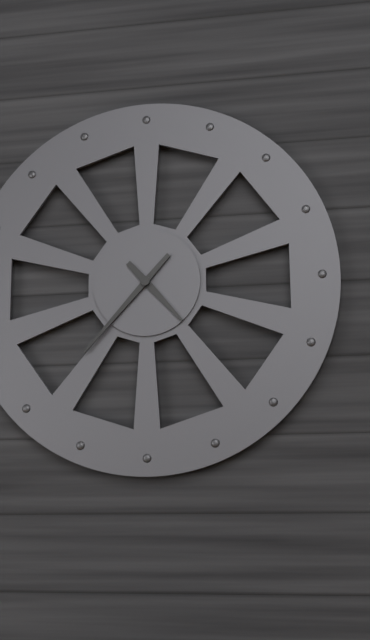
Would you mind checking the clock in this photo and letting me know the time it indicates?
4:37
